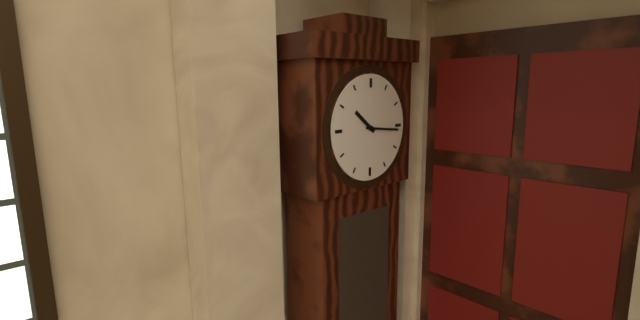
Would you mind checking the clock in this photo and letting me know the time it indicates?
10:16
